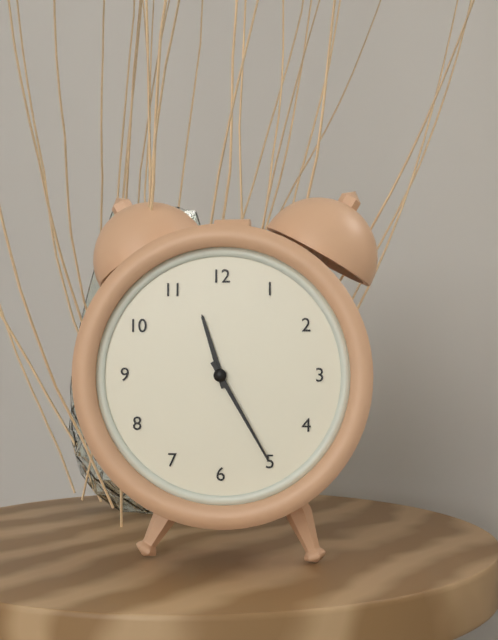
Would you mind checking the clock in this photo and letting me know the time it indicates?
11:25
